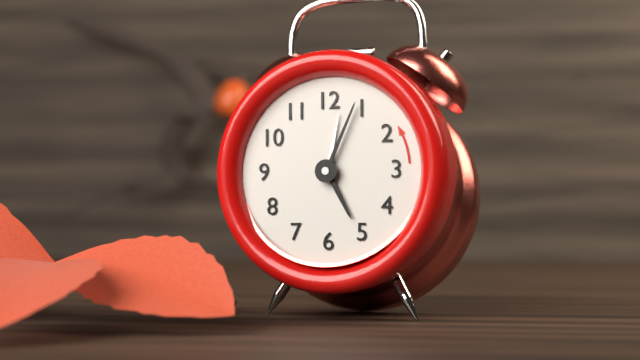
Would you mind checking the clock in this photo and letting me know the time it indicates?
5:04:02
